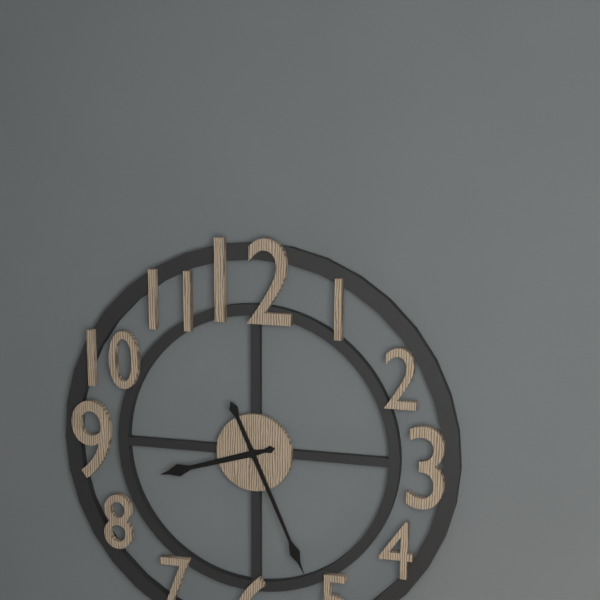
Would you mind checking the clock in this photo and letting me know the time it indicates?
8:26
